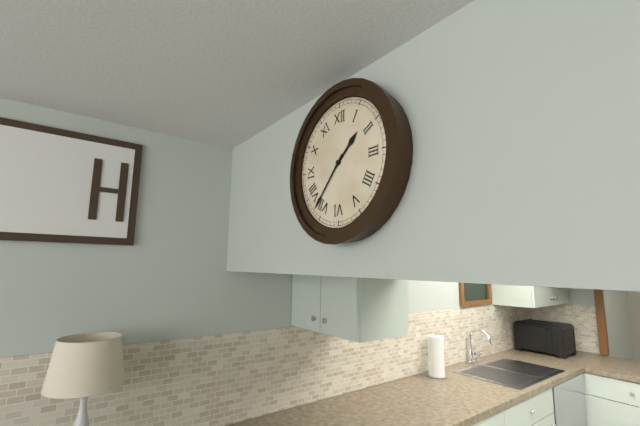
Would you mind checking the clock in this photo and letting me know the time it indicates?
1:37
